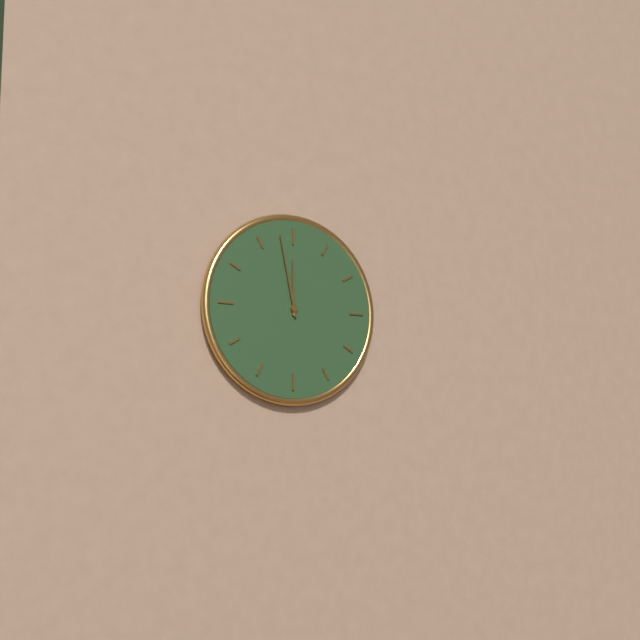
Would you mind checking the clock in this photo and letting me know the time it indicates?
11:58
